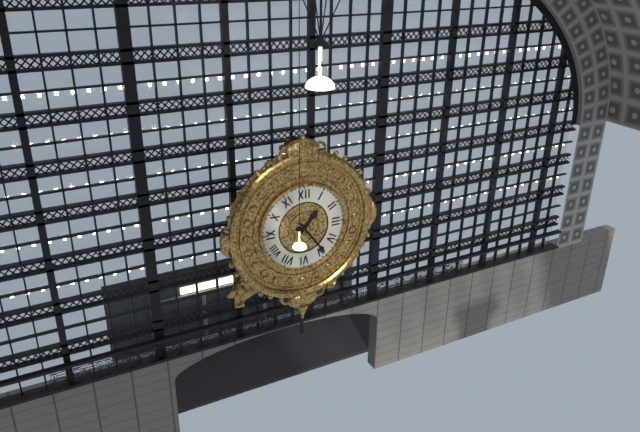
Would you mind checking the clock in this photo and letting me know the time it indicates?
1:24
